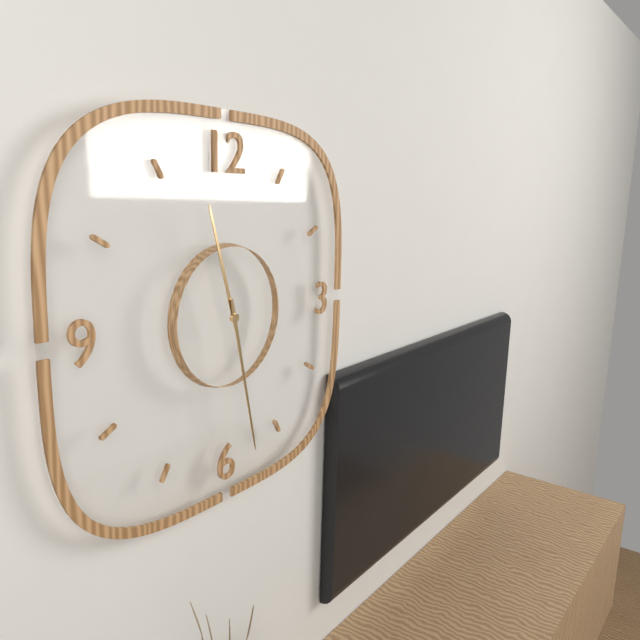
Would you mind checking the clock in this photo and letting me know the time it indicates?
11:28
